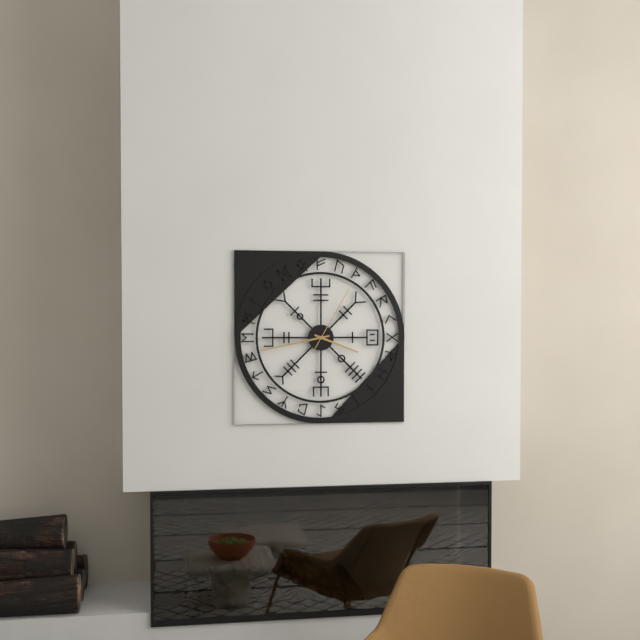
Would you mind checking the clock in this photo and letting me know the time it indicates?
3:43:05
